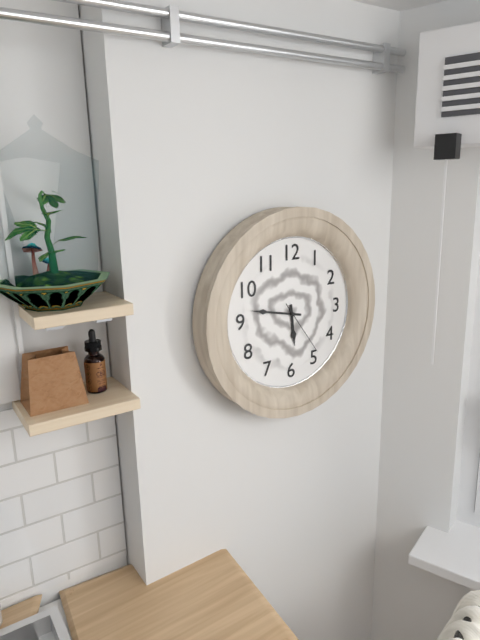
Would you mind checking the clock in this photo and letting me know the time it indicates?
5:47:24
